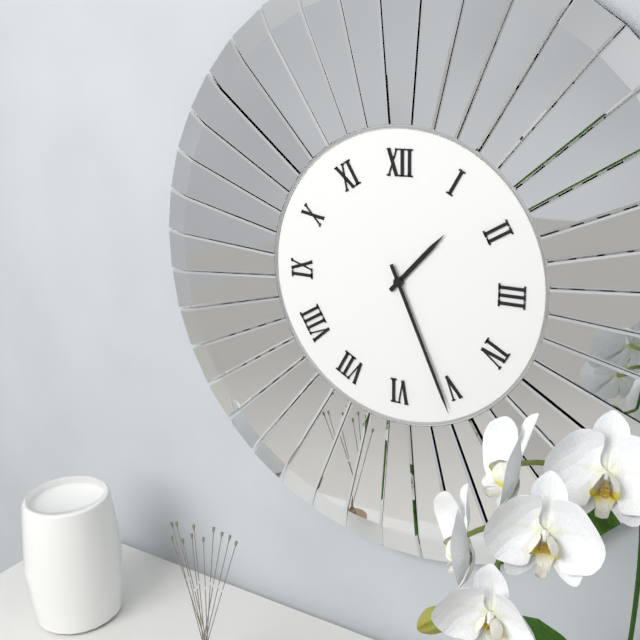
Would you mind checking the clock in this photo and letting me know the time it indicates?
1:26
